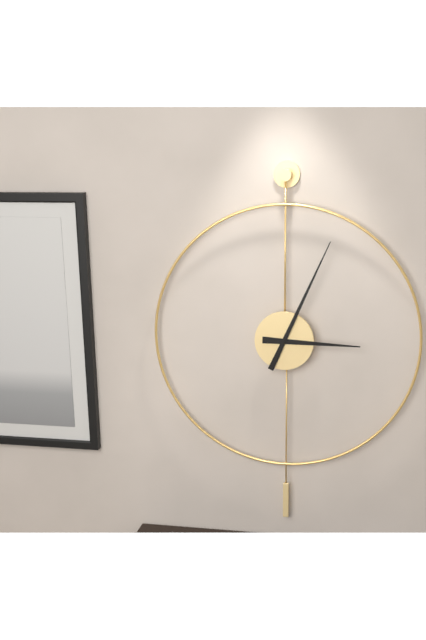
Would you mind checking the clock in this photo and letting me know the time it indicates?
3:04
